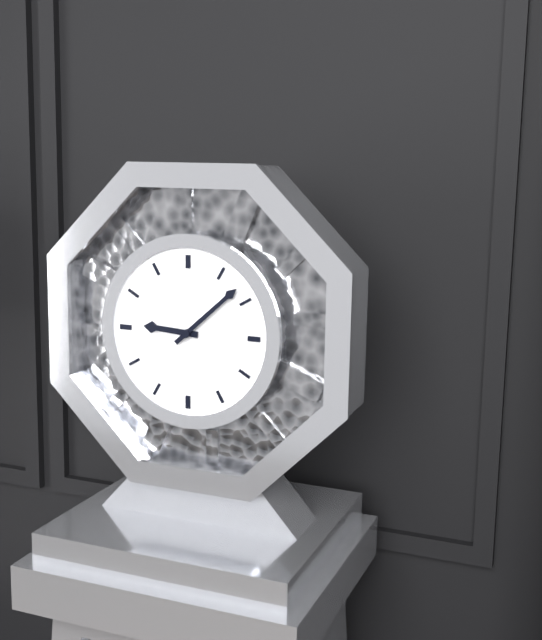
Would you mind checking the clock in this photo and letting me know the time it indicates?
9:08
